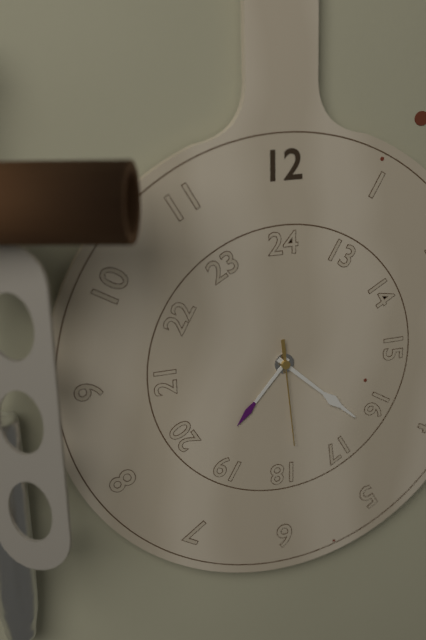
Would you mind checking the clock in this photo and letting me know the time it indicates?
7:22:29
